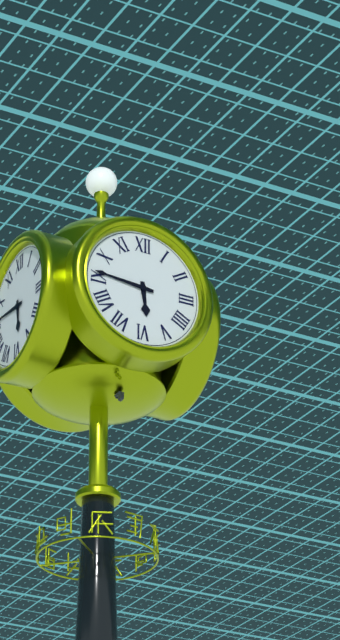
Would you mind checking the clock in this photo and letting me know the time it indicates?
5:46
